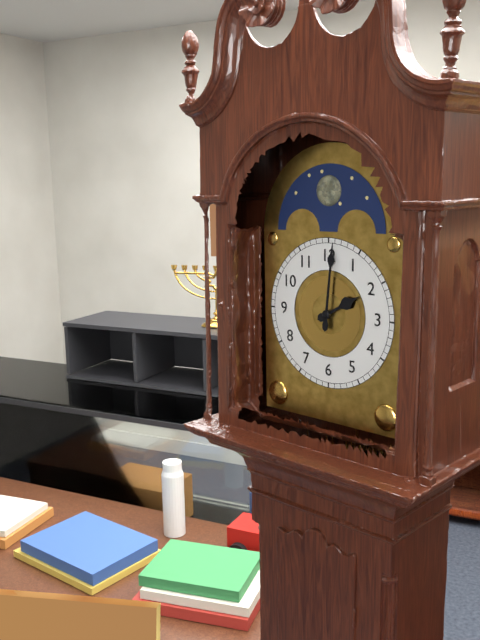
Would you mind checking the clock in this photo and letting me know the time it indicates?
2:01
